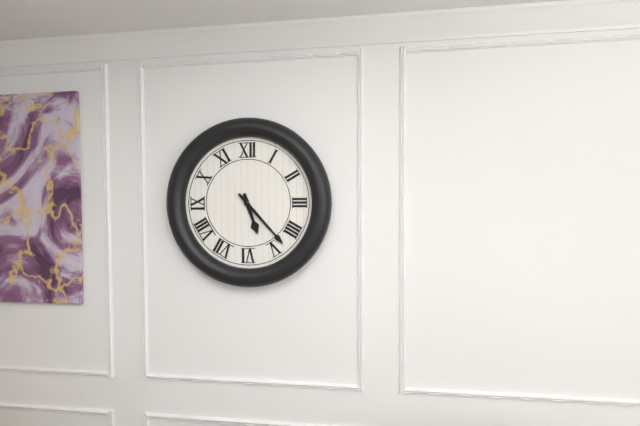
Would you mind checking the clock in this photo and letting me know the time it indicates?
5:23
